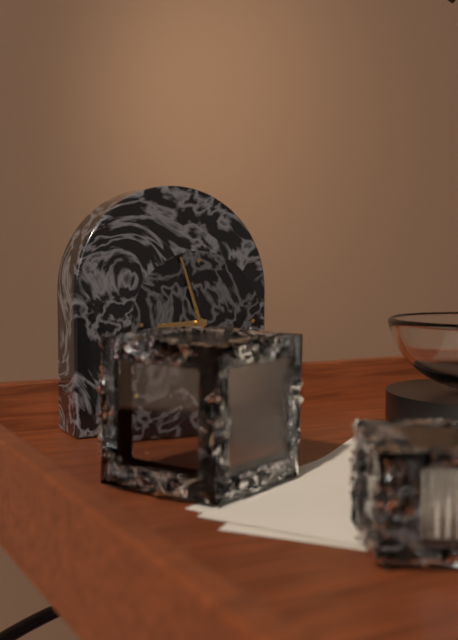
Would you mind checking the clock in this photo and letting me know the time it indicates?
8:57
